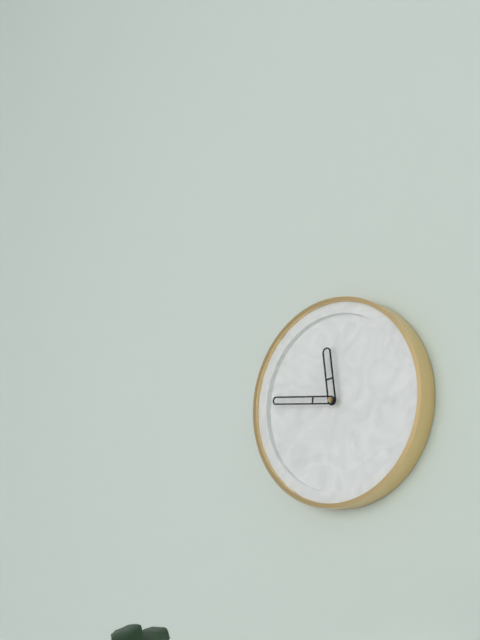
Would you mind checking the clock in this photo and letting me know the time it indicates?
11:46
